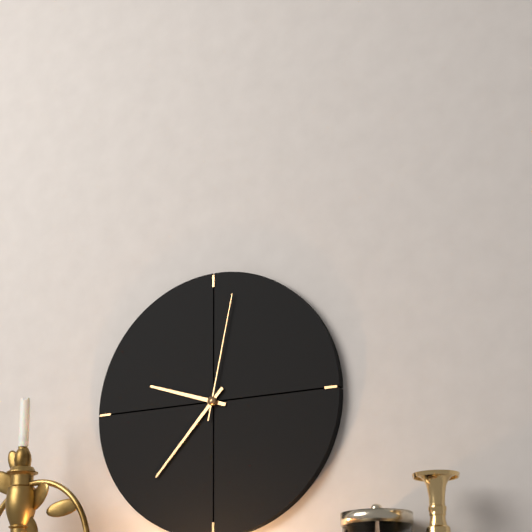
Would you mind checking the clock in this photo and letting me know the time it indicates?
9:37:02
